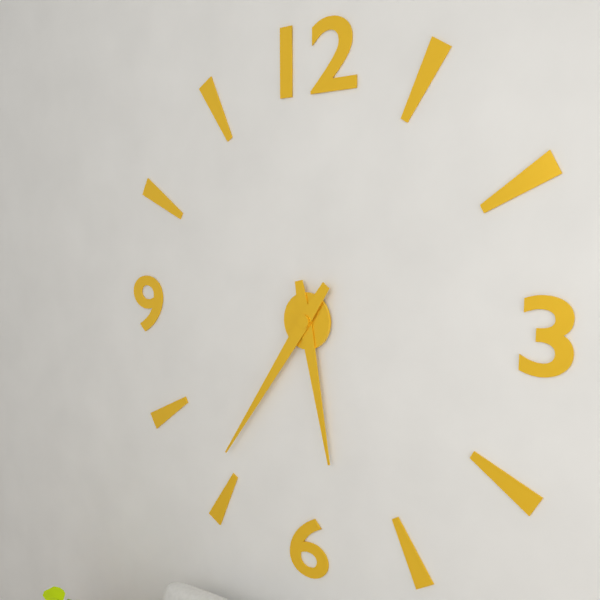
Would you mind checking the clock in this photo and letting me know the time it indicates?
5:36
